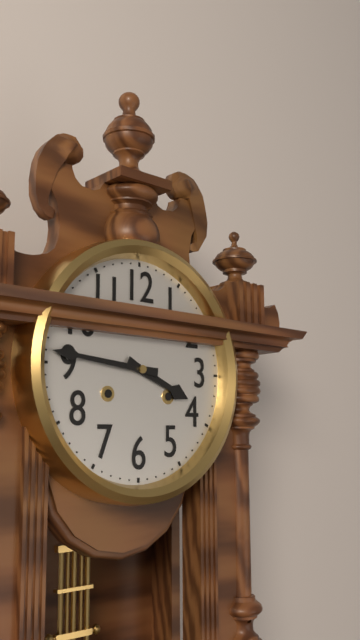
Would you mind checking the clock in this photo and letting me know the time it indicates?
3:46
